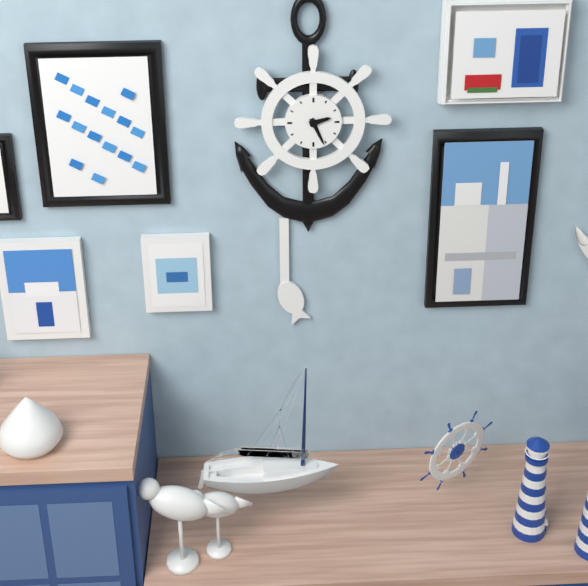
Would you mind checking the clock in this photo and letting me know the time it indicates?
2:26
